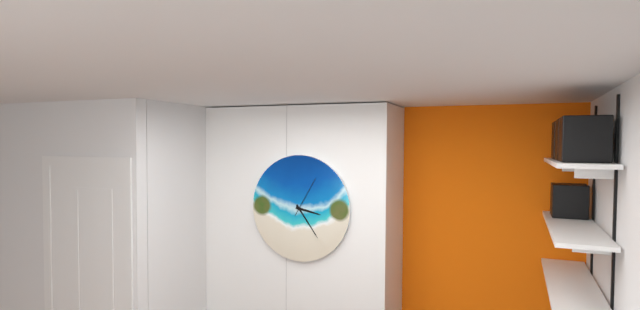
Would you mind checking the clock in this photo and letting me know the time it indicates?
3:24
